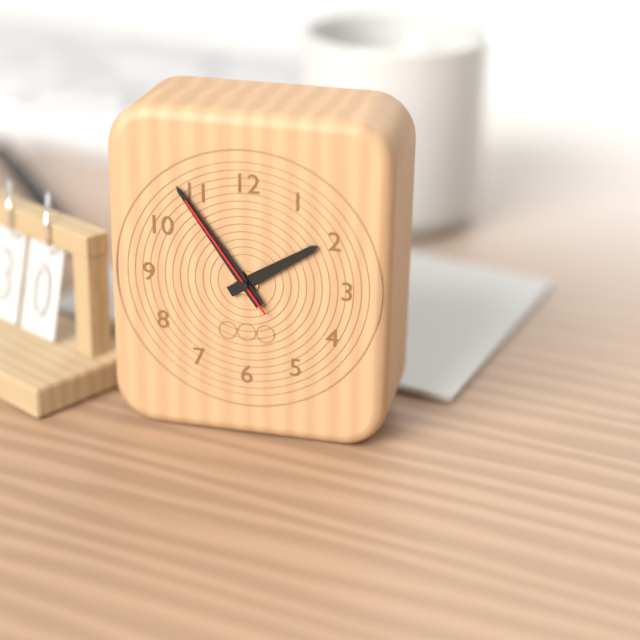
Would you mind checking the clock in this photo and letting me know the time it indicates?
1:54:54
